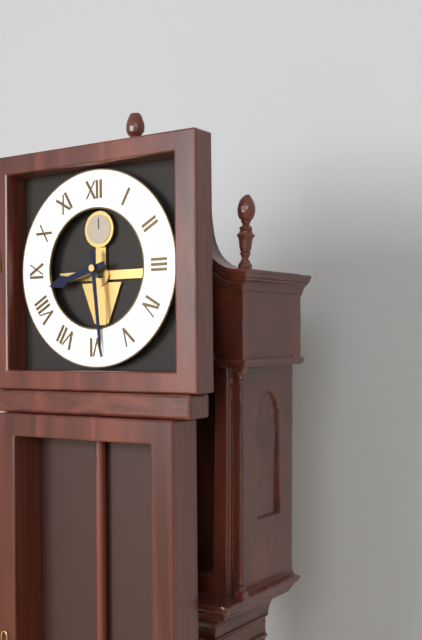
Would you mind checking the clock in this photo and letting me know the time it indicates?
8:29
